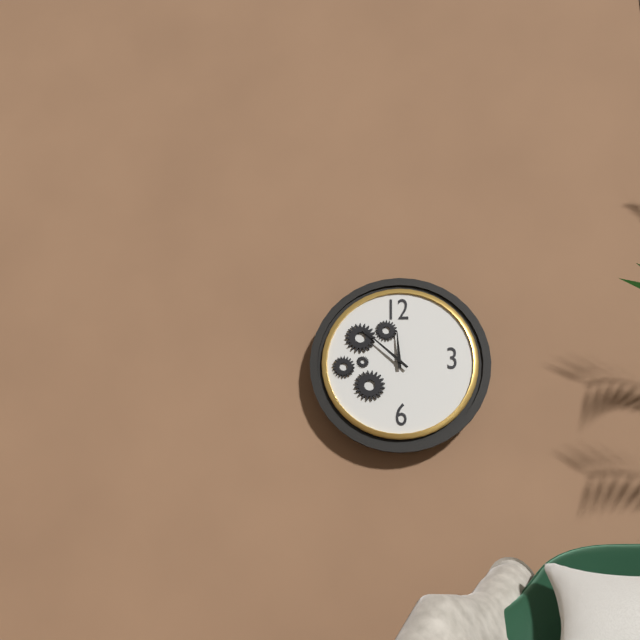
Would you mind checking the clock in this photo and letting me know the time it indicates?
11:52
